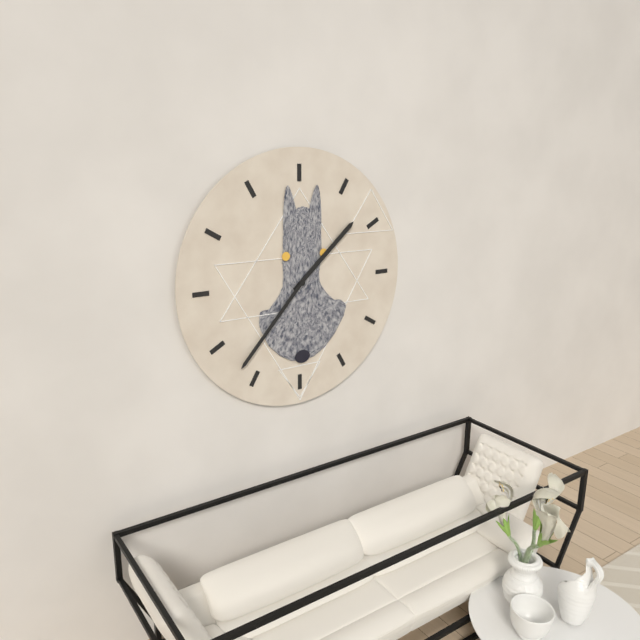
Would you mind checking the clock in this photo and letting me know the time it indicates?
1:37
